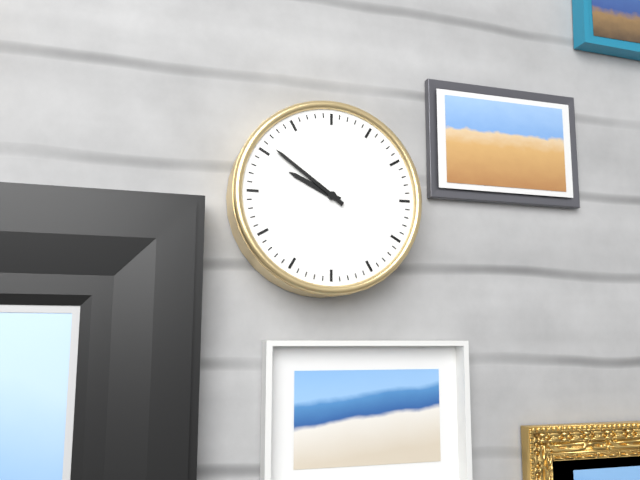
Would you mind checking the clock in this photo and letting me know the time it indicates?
9:51
